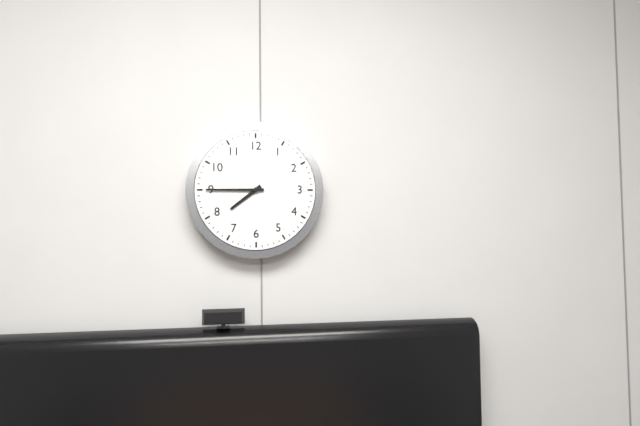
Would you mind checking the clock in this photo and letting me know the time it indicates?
7:45
